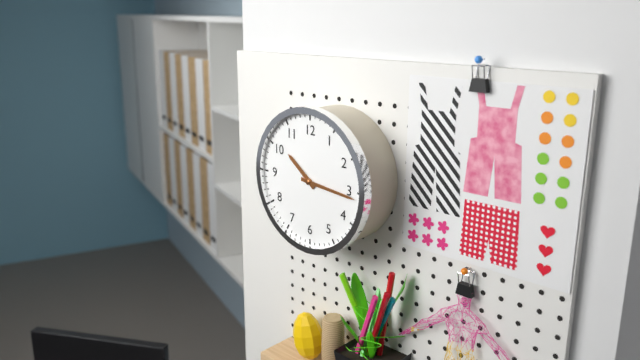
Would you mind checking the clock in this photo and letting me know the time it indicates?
10:16
